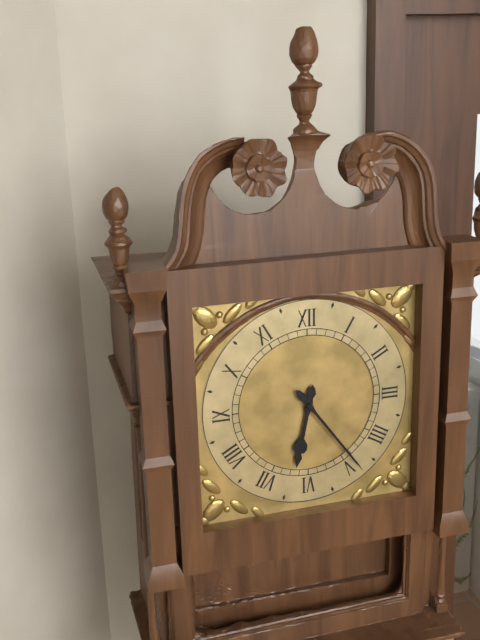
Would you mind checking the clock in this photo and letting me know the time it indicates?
6:24
